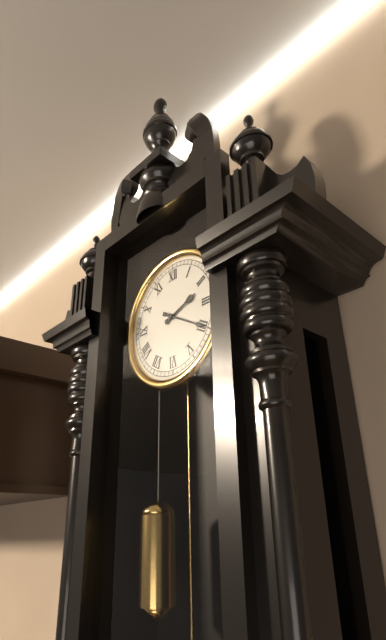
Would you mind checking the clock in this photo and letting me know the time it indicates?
2:20
